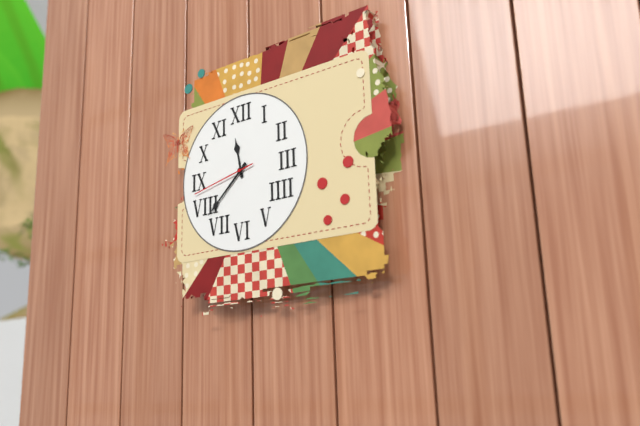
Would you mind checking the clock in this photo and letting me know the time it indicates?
11:38:43
